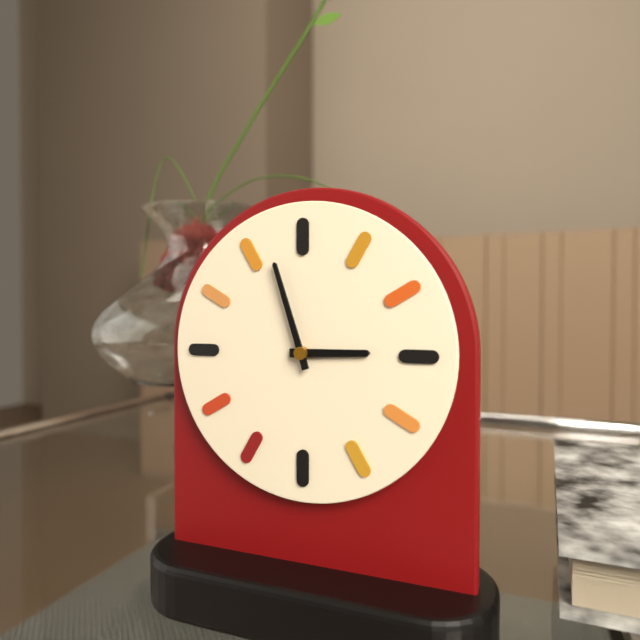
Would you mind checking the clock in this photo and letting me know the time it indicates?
2:57
